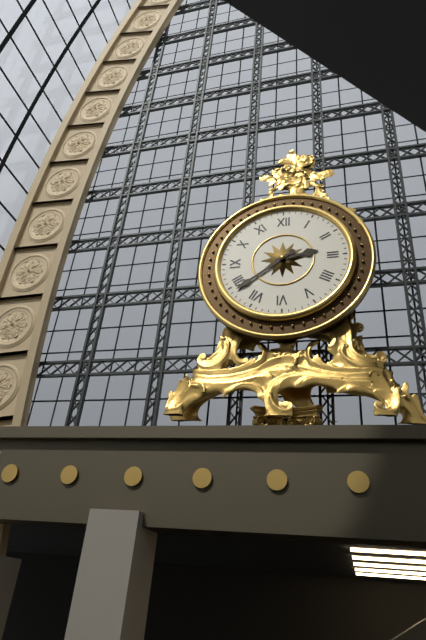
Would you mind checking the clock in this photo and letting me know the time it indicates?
2:39
